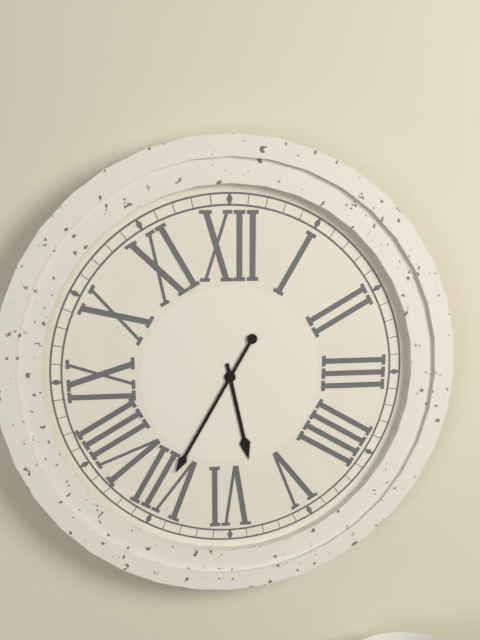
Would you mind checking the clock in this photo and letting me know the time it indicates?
5:35
